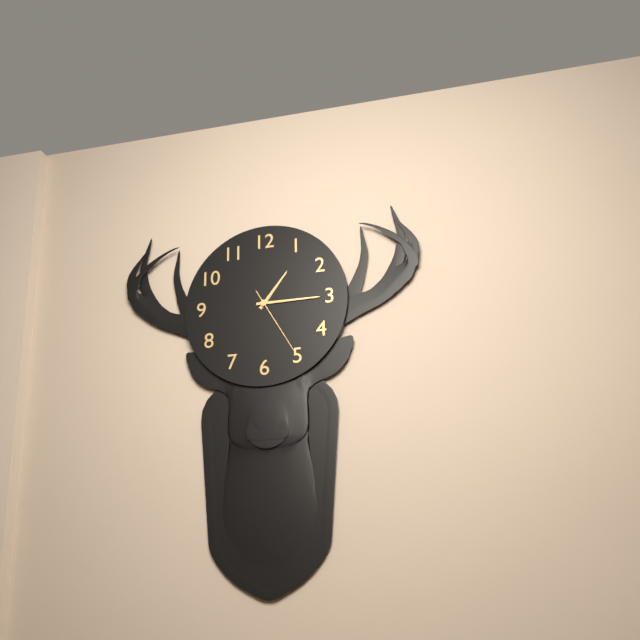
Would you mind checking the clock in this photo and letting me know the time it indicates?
1:15:25
